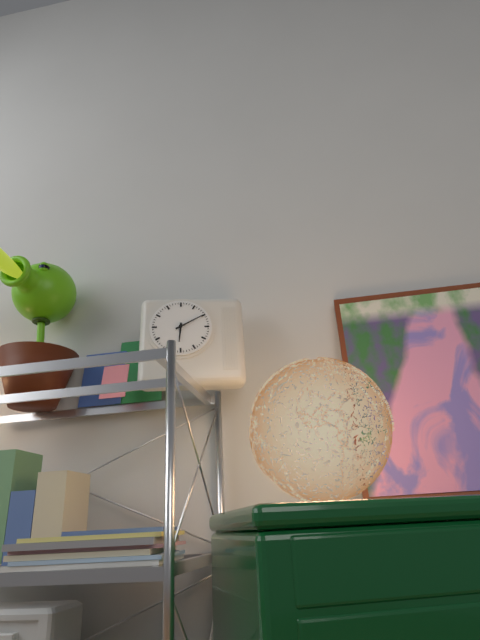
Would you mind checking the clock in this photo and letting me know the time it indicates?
6:10
